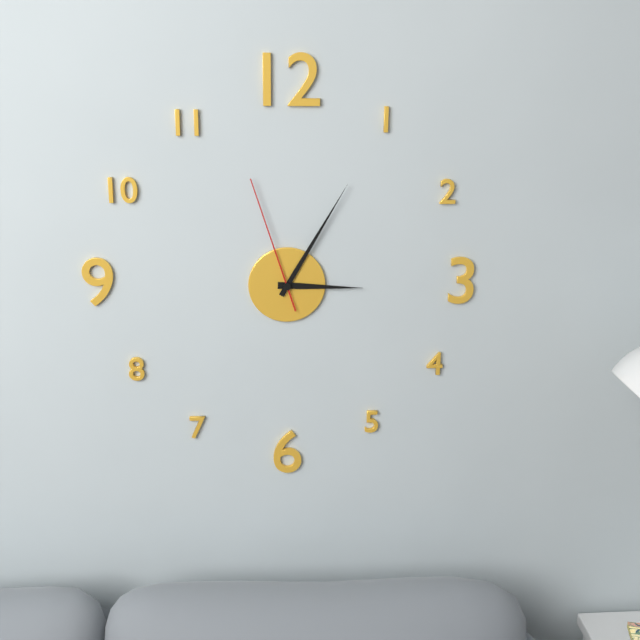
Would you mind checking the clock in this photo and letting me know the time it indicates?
3:05:57
